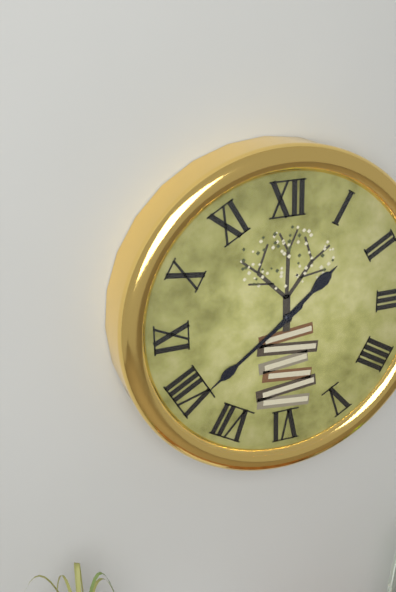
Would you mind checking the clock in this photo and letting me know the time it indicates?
1:39
